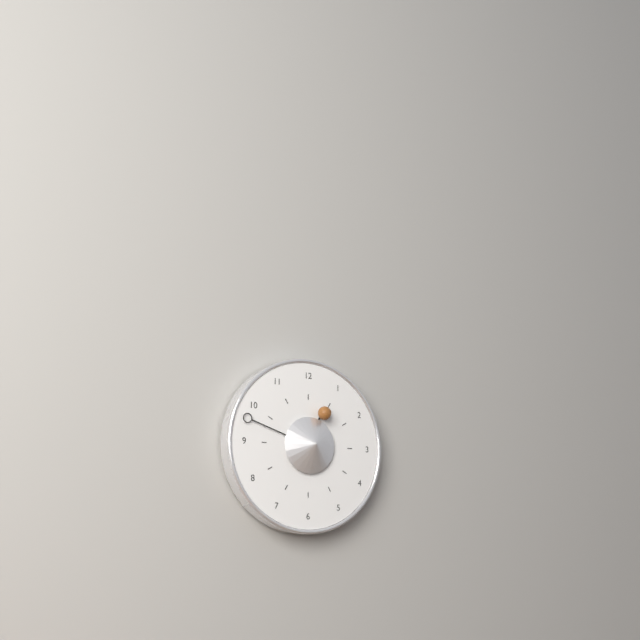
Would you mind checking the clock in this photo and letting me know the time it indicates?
12:48
